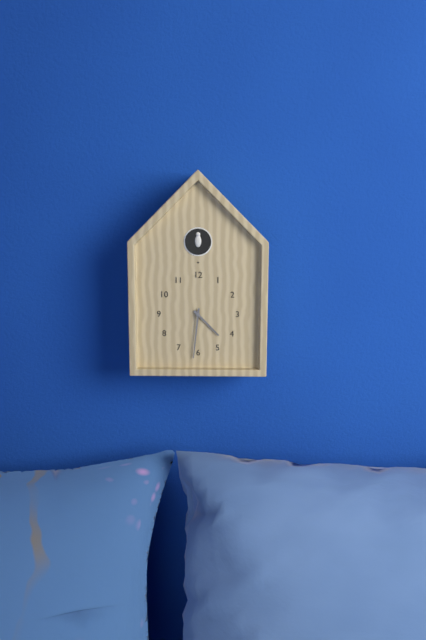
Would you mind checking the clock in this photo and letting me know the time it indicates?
4:31
